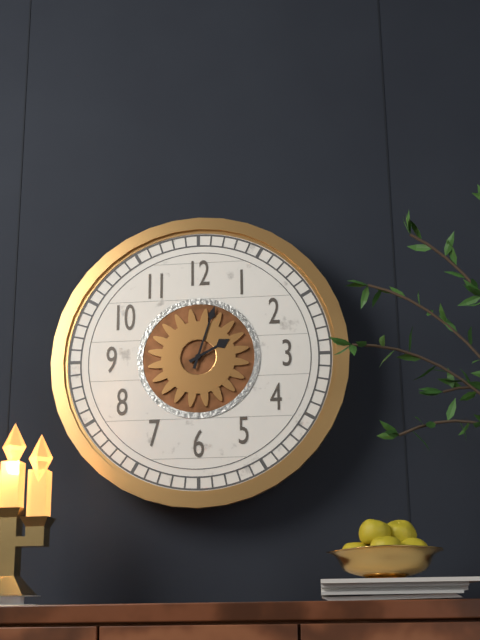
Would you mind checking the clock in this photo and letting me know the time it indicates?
2:03
